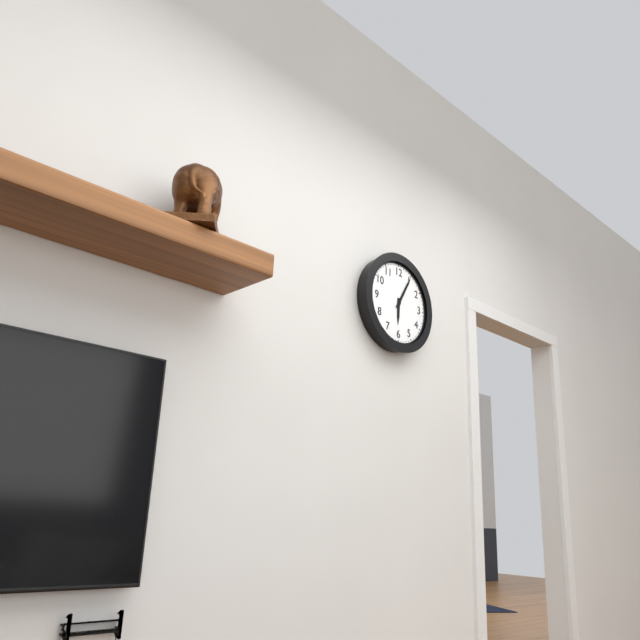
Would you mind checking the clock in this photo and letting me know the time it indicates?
6:05
